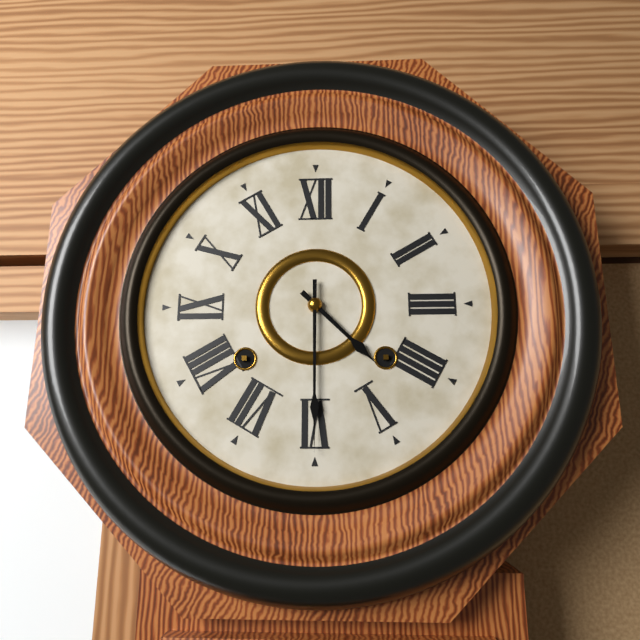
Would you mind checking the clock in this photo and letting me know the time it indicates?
4:30
